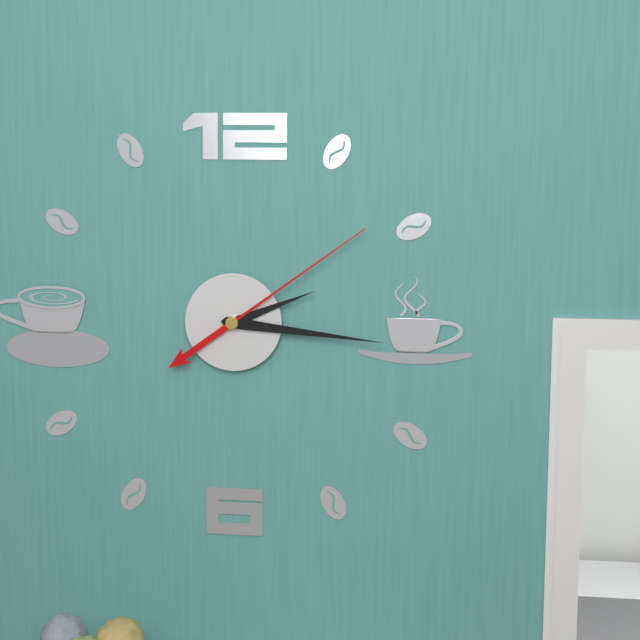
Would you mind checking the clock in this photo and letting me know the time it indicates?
2:16:09
